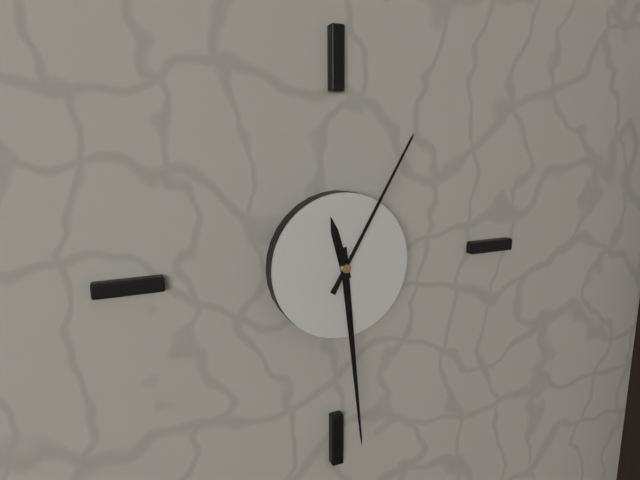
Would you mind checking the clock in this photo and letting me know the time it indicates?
11:29:05
